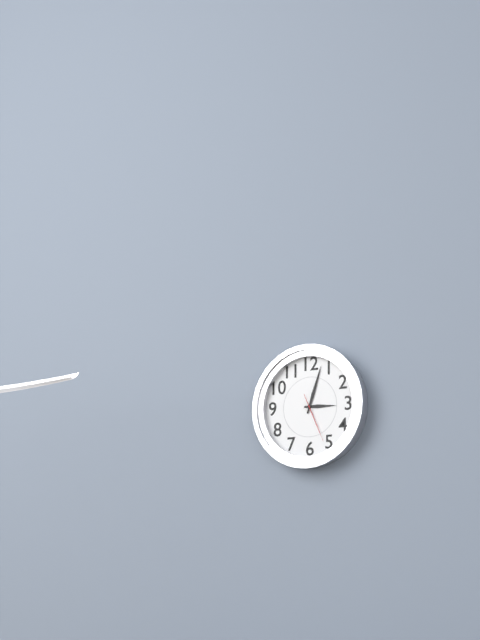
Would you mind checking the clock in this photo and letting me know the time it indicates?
3:03
